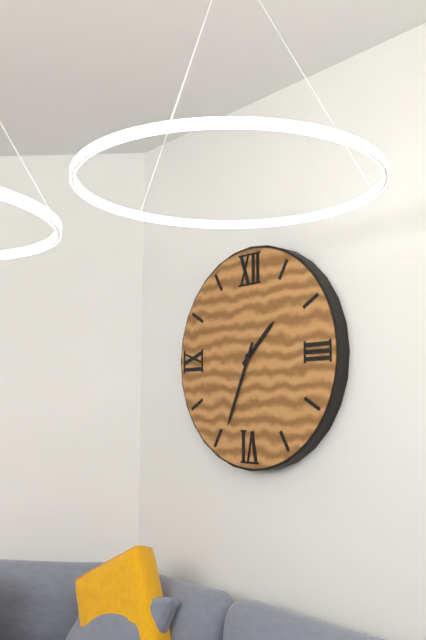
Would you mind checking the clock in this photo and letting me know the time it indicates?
1:34
